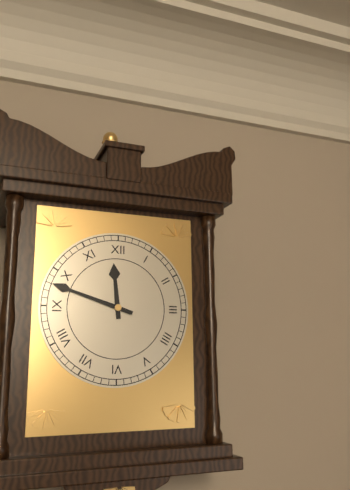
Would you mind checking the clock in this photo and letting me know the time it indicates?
11:48
